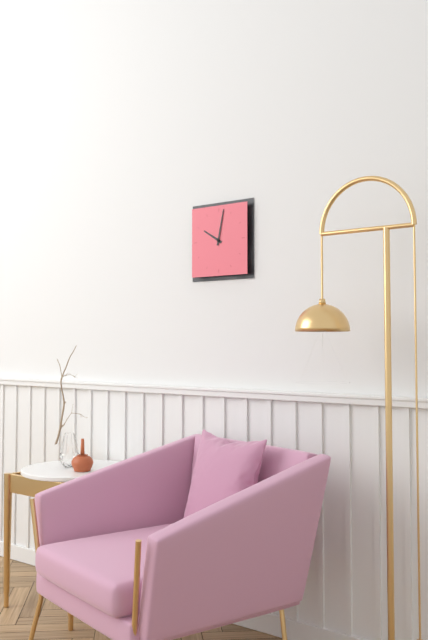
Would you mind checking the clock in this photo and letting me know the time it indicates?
10:02
